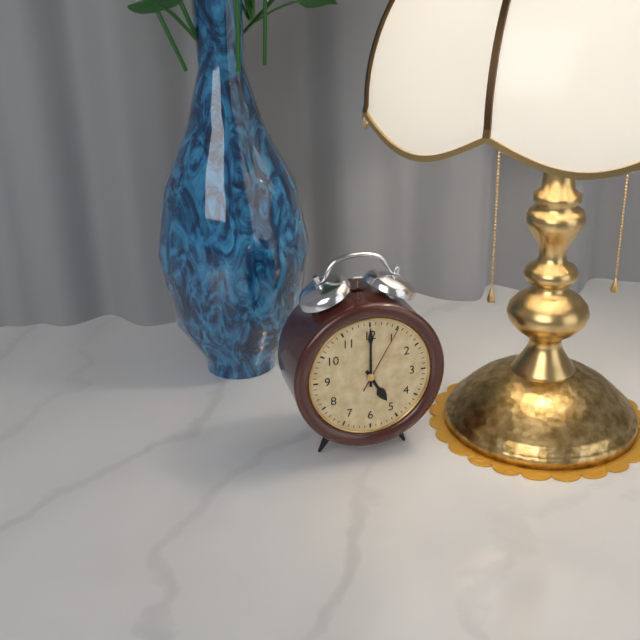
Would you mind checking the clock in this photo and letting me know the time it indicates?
5:00:05
